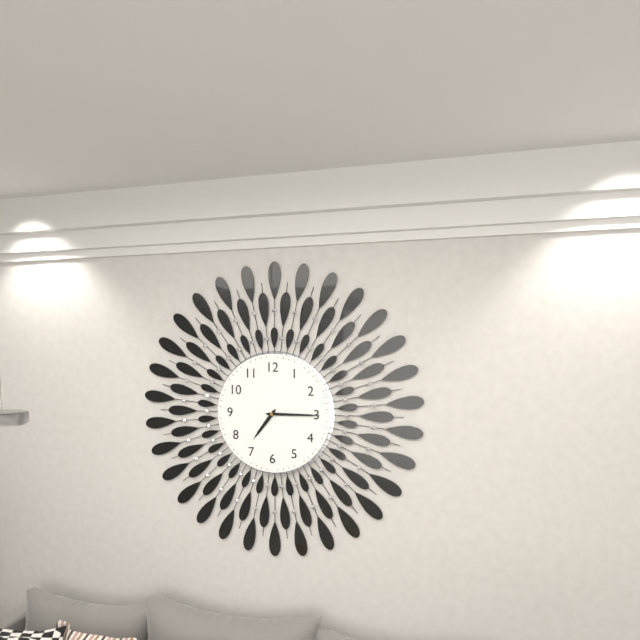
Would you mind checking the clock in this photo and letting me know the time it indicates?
7:15
